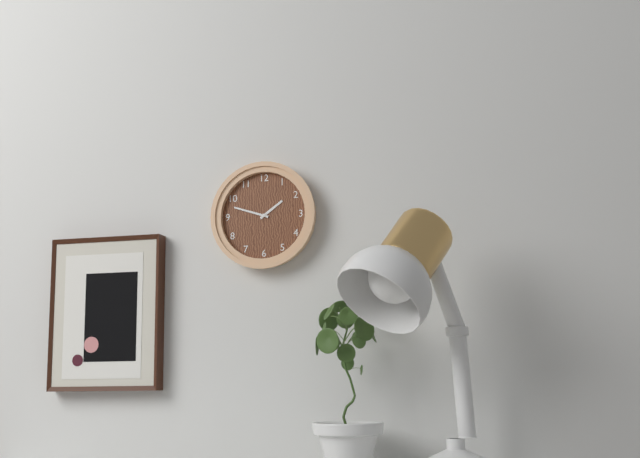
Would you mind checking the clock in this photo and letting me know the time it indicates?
1:48
